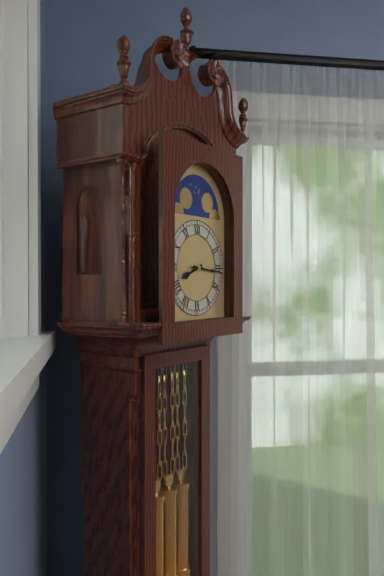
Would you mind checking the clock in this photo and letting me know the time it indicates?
8:16
